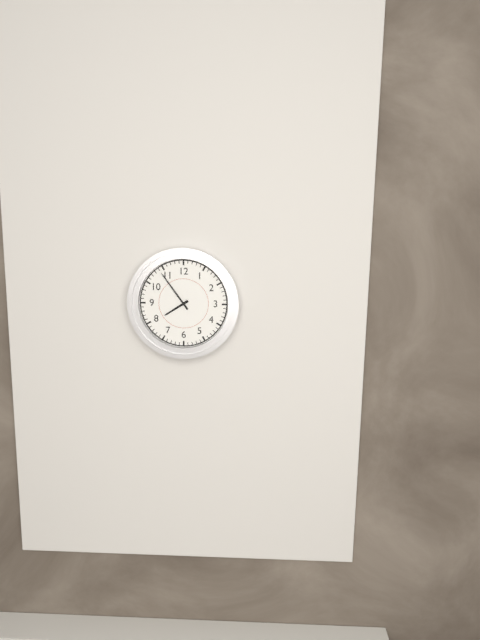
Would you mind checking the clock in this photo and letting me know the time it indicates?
7:54
